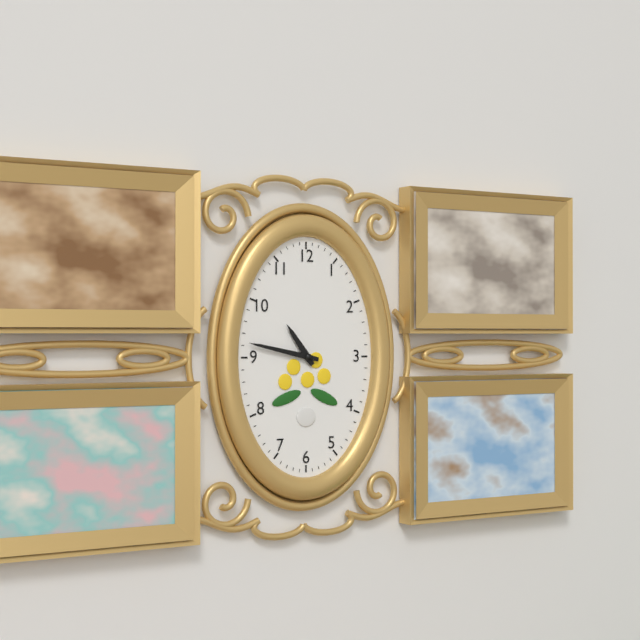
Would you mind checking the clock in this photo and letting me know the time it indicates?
10:47
